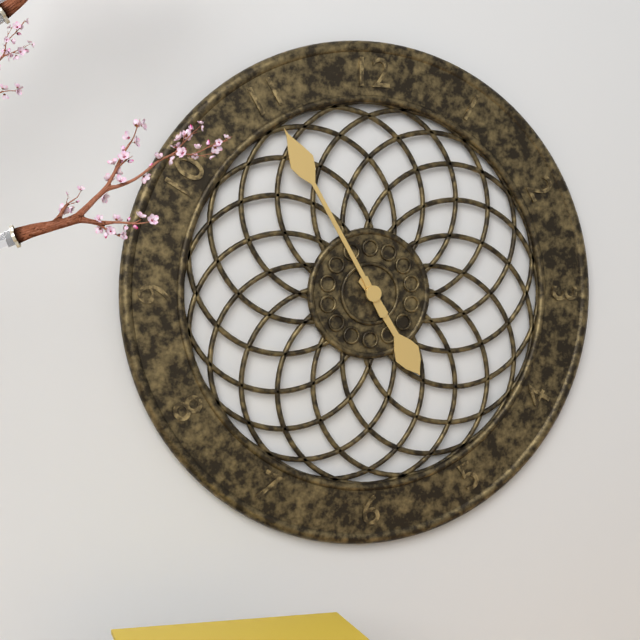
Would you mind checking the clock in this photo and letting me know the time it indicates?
4:55
